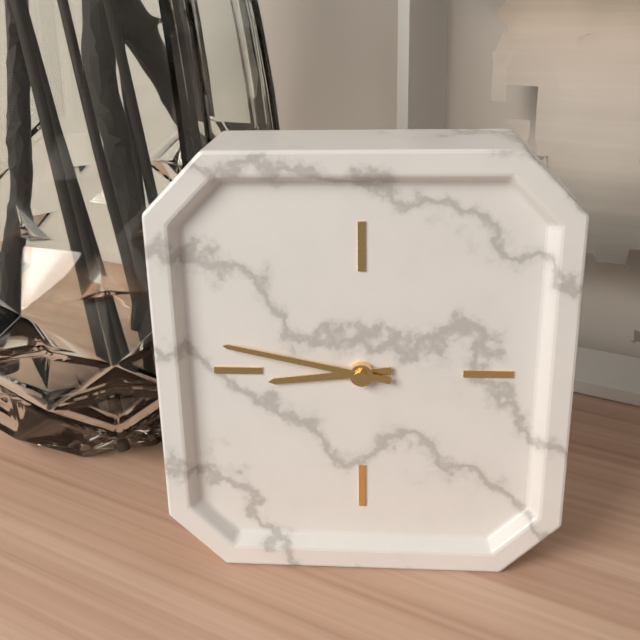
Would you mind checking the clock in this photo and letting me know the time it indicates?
8:47
